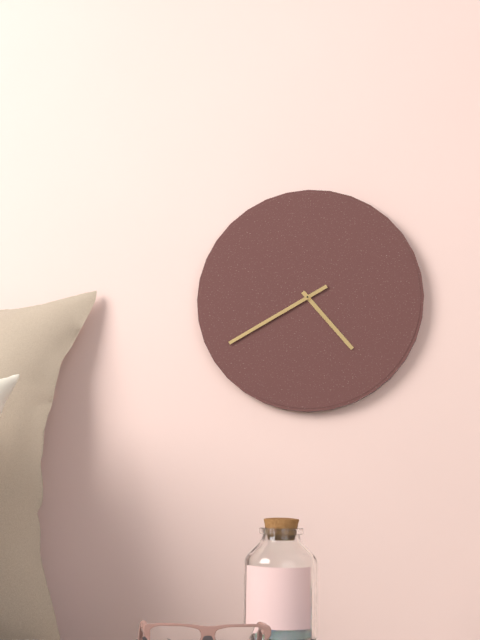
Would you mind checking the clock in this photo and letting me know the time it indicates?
4:40
